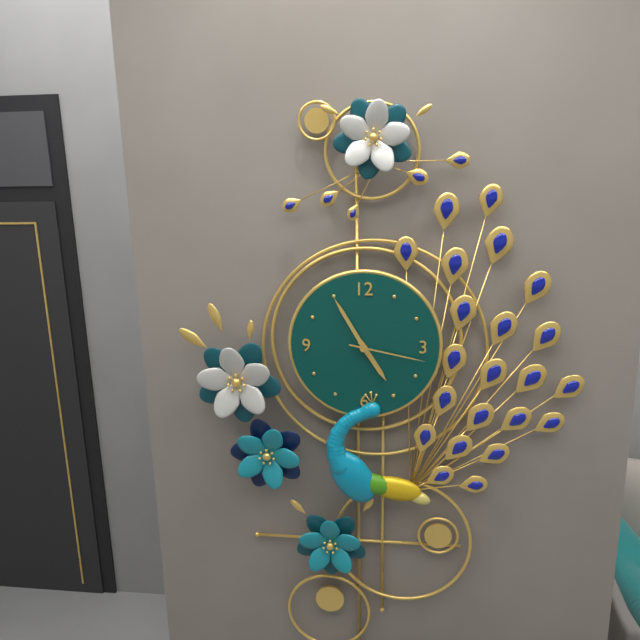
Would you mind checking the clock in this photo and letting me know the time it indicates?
4:55:17
